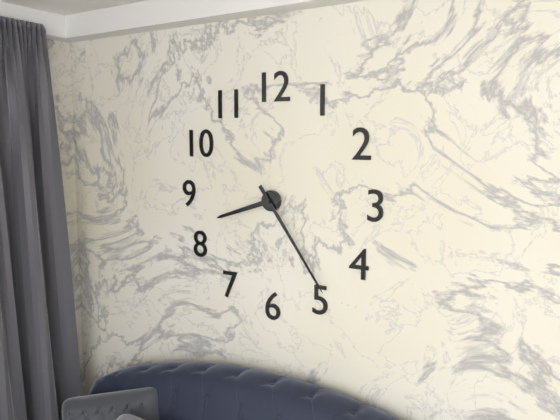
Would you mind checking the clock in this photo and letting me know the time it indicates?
8:24
